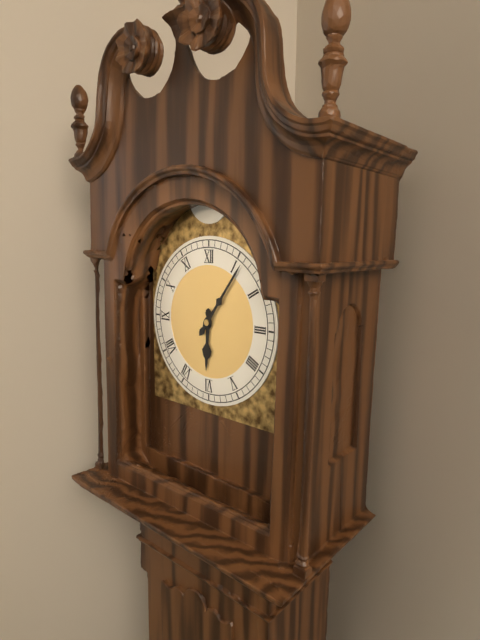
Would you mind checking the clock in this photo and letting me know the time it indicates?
6:06
